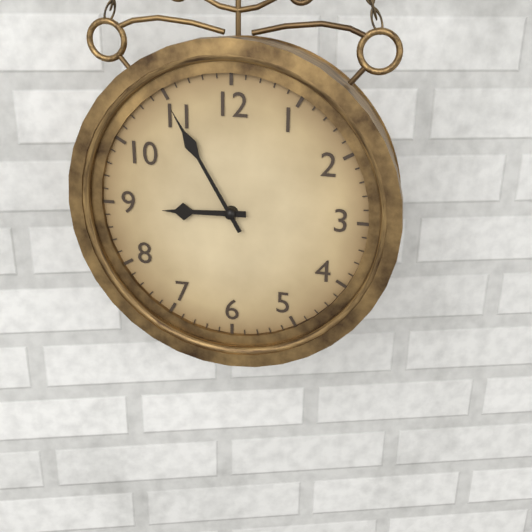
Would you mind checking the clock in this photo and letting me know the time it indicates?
8:55
